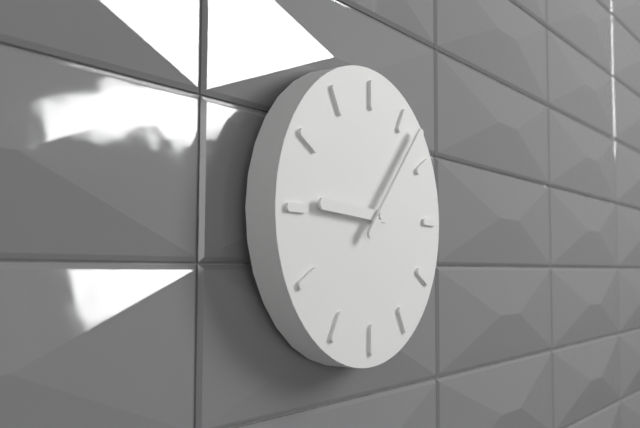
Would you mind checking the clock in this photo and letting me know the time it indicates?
9:07
